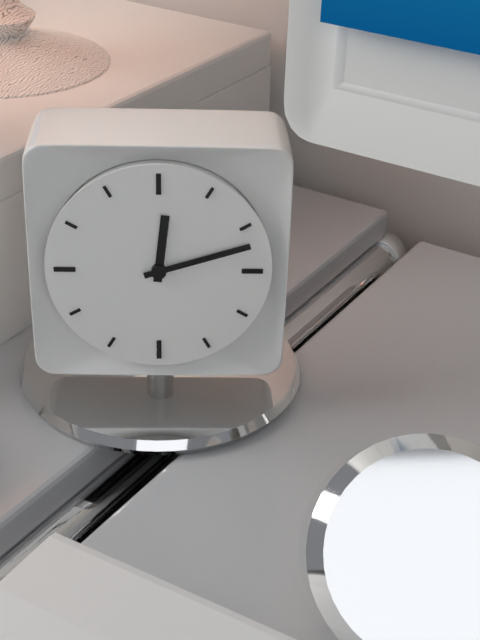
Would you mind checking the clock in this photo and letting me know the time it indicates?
12:12
